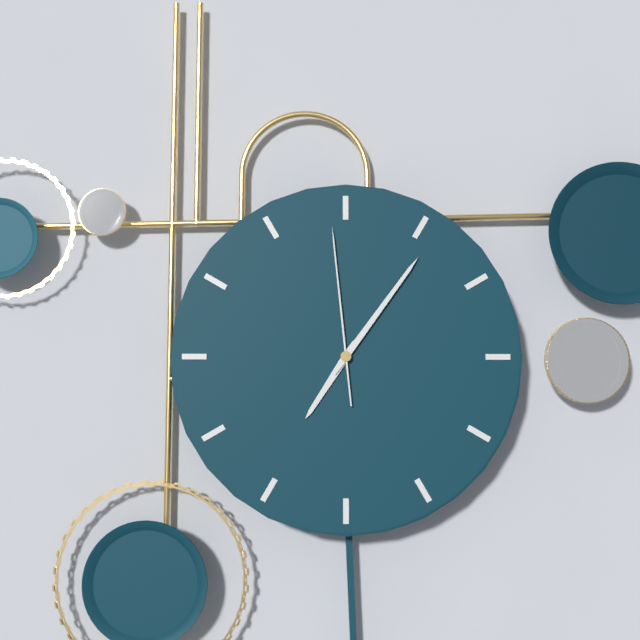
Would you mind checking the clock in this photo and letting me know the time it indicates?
7:06:59
